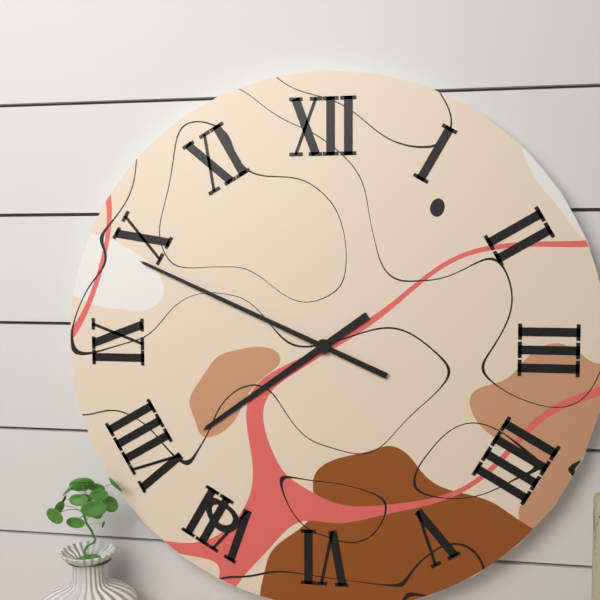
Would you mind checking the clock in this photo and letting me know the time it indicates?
7:49
